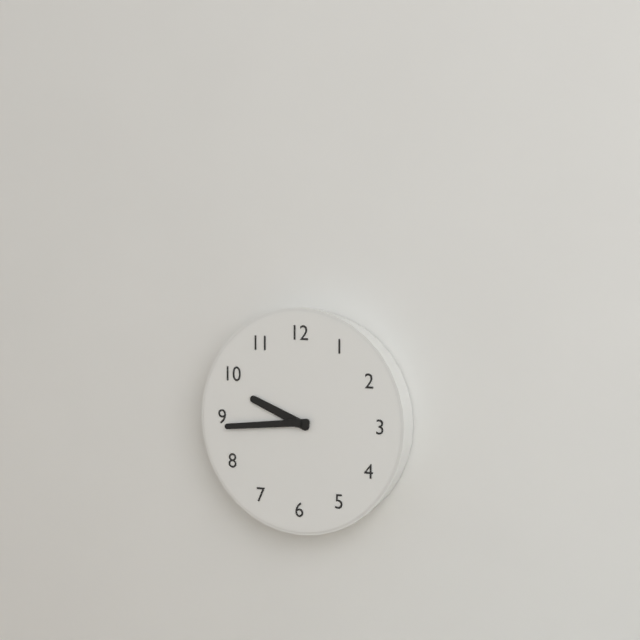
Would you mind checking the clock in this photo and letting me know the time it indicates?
9:44
